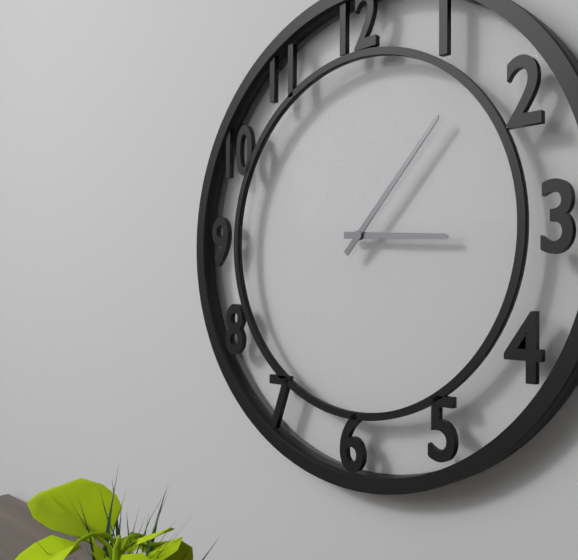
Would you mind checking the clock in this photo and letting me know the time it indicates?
3:07
